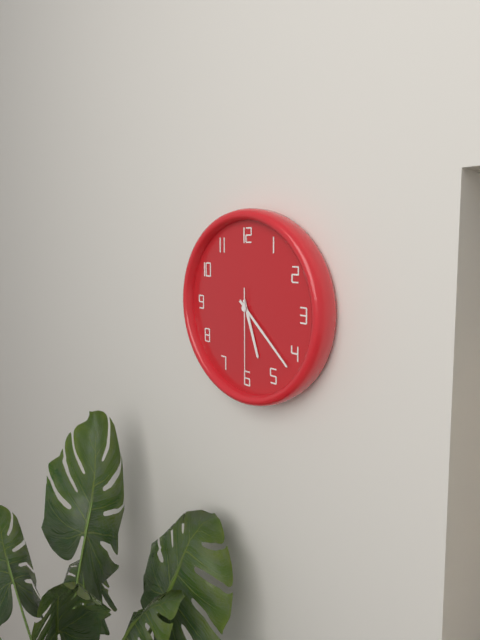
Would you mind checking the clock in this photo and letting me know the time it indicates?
5:22:30
